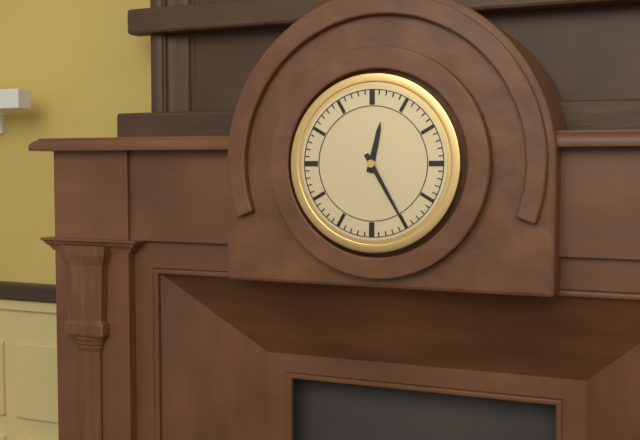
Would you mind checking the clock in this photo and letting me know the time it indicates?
12:25
